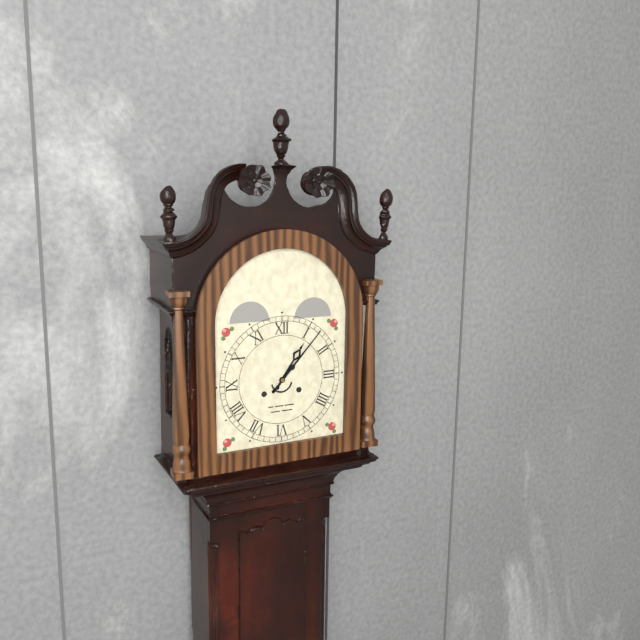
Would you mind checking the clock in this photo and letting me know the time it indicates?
1:07
